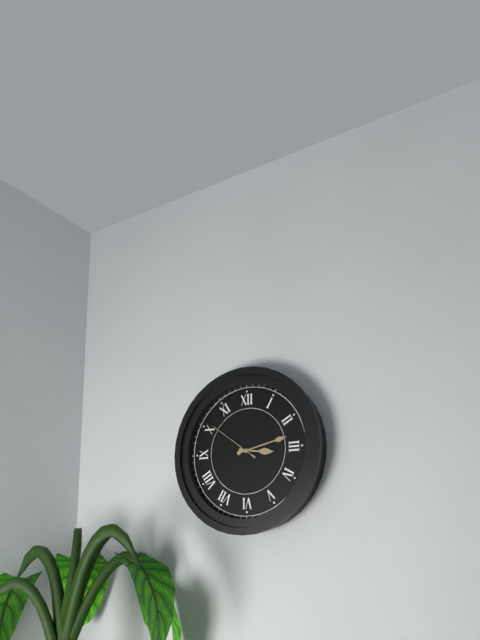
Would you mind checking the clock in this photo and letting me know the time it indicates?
3:13:51
